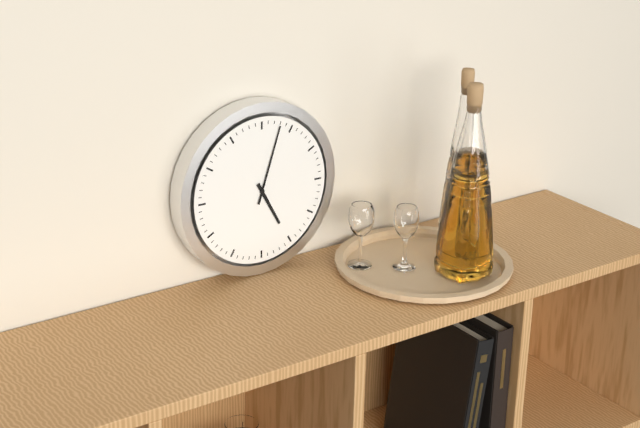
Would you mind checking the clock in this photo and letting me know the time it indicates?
5:03
